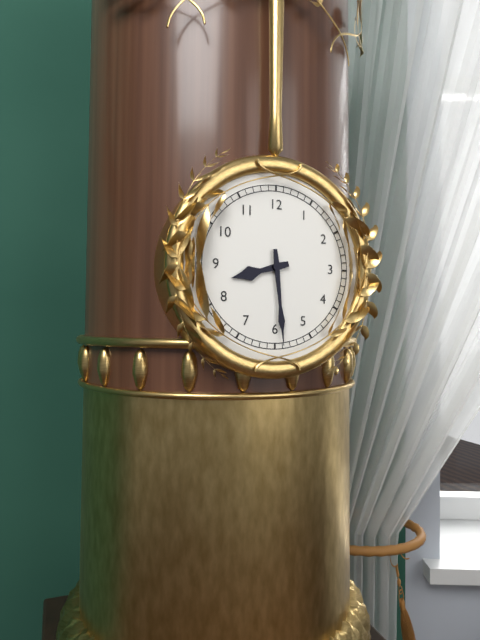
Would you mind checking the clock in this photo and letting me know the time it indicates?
8:29
